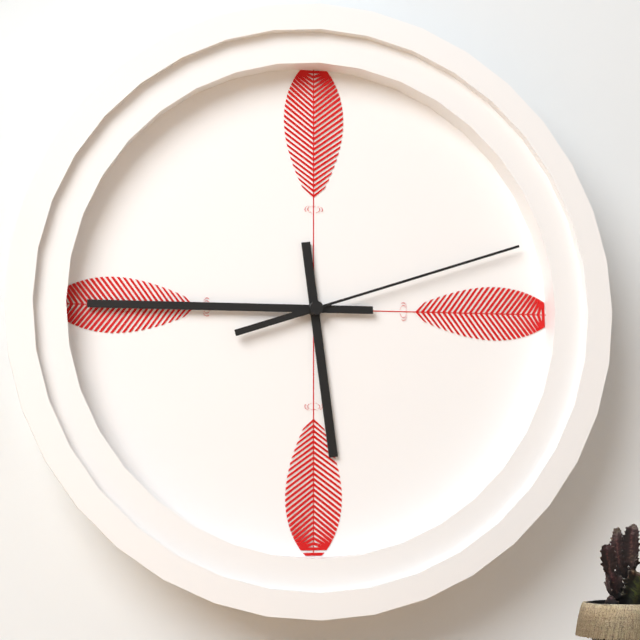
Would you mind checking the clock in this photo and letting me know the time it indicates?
5:45:12
